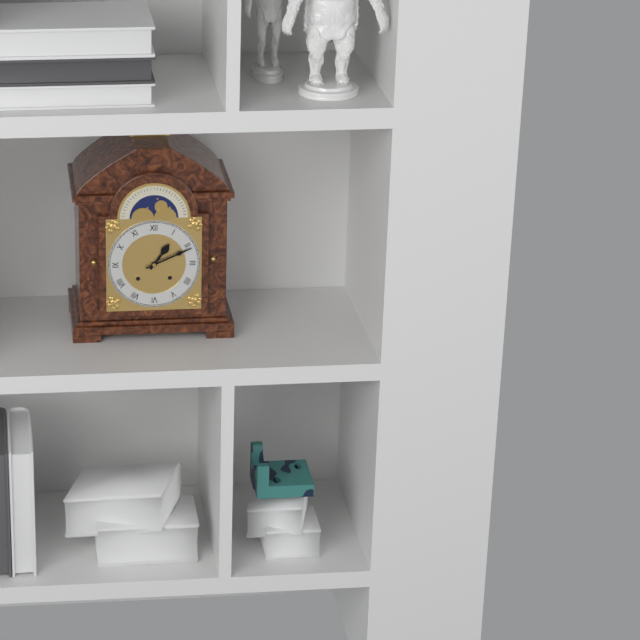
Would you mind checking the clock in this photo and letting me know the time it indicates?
1:11
